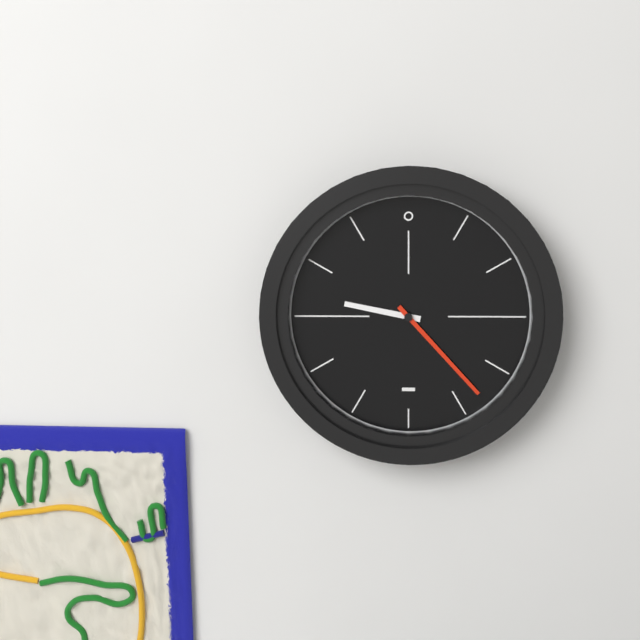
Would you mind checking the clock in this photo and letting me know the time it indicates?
9:23
